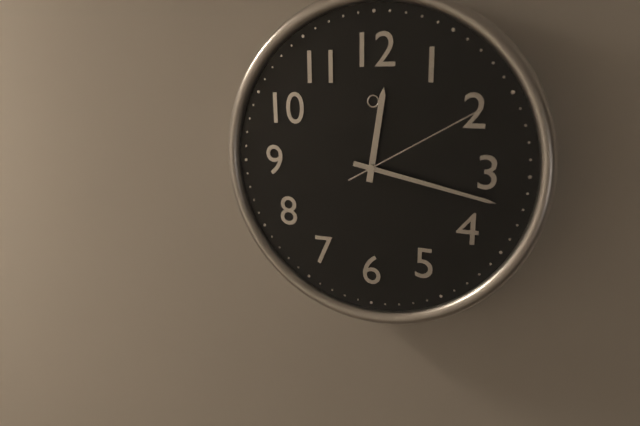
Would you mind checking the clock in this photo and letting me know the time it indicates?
12:17:10
